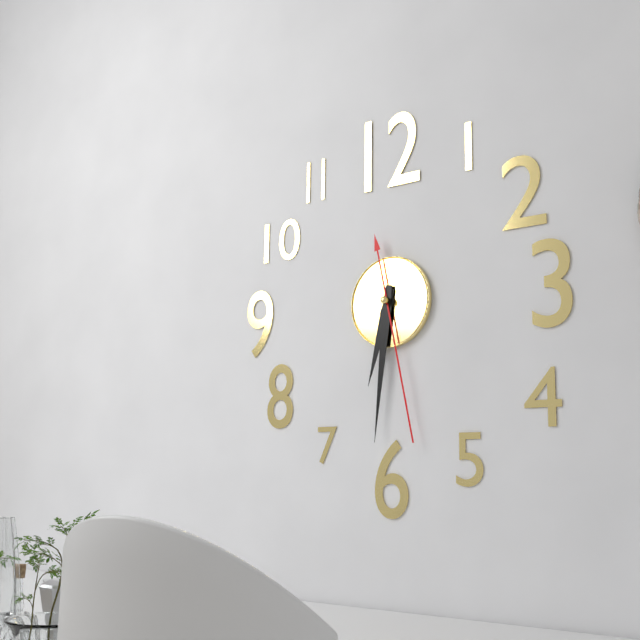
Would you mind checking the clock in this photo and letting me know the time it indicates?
6:31:28
